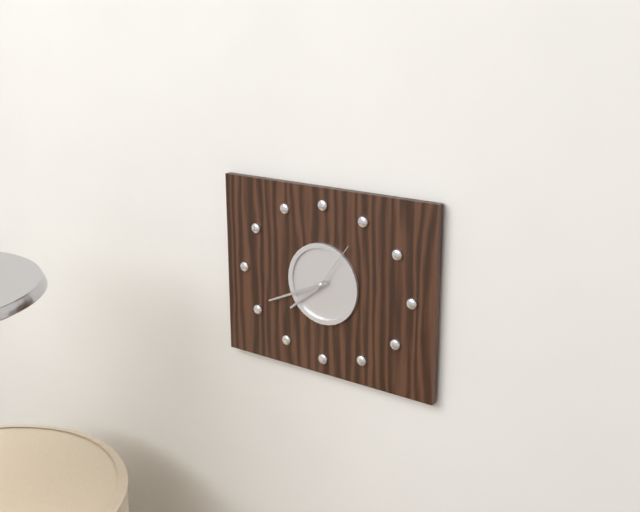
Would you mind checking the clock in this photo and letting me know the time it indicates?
7:41
